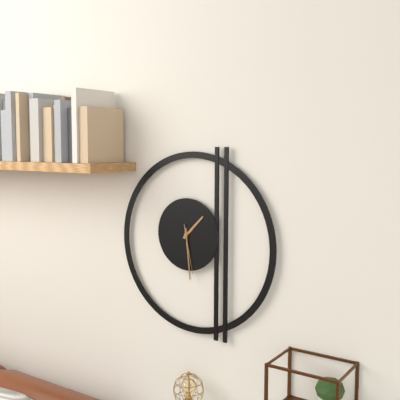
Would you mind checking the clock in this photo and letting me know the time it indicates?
1:29
